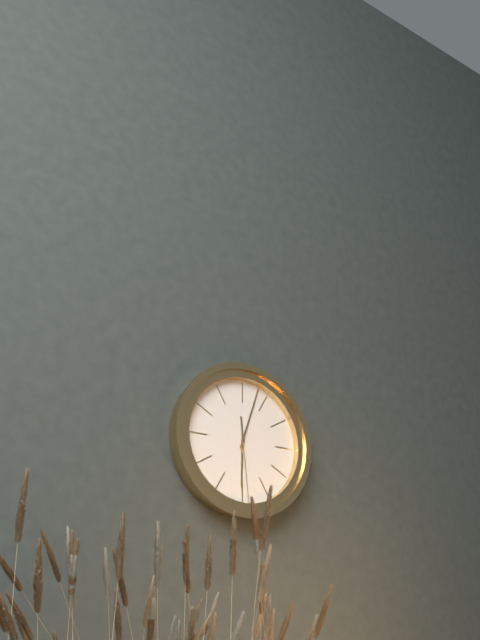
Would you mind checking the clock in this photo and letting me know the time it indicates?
6:03:29
